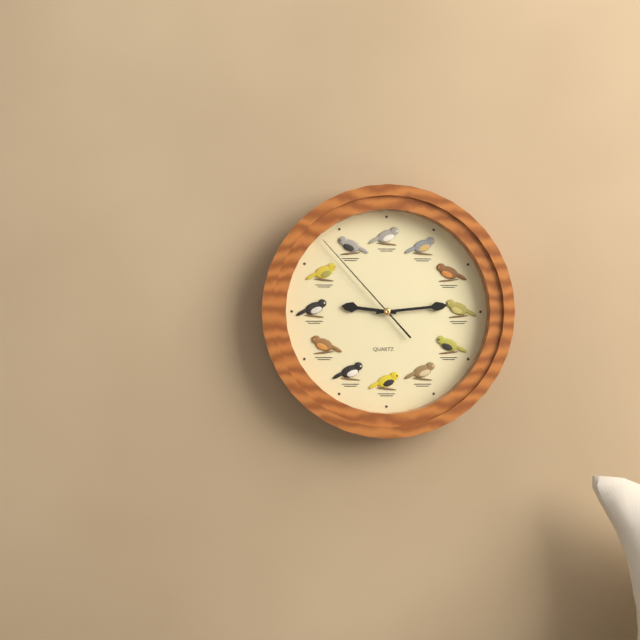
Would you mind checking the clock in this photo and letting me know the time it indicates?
9:14:53
